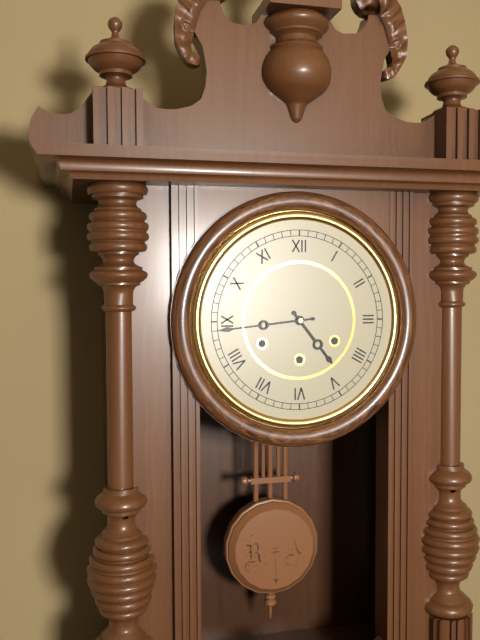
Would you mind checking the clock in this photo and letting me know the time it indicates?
4:44
